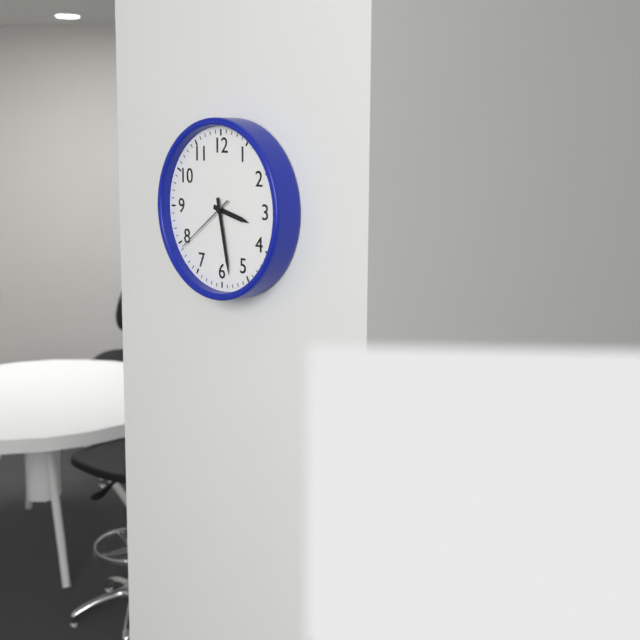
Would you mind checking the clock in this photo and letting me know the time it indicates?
3:28:39
